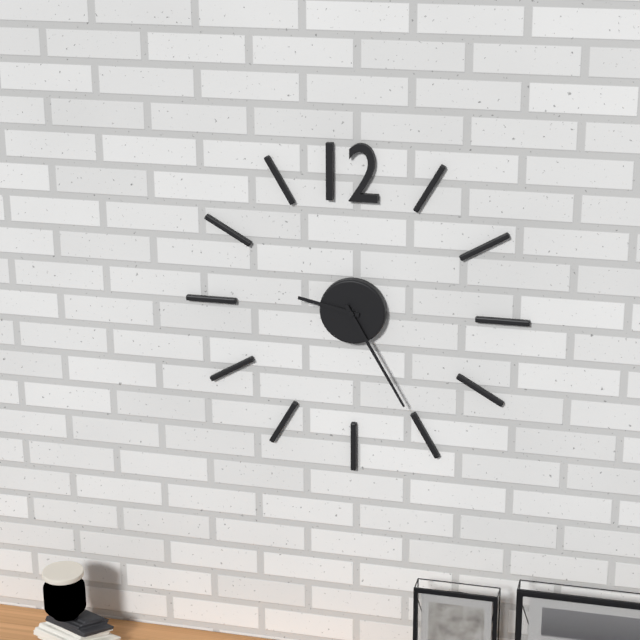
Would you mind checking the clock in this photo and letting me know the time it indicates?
9:25
